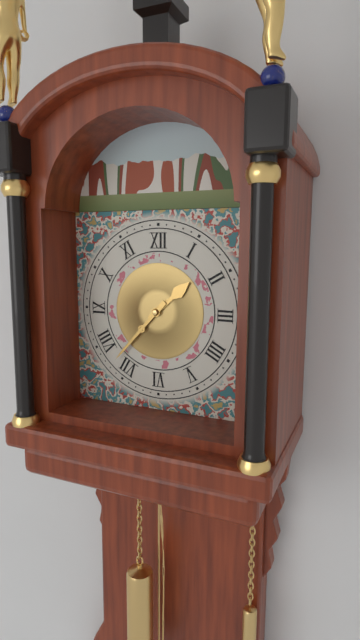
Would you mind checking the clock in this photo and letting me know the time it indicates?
1:37
